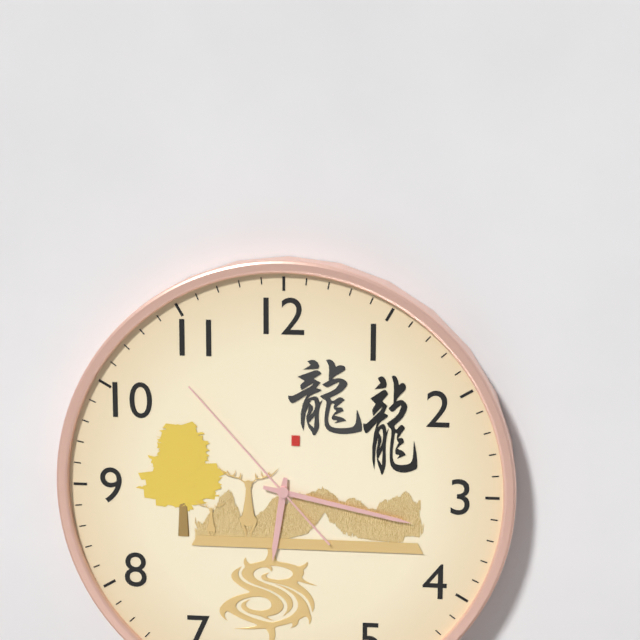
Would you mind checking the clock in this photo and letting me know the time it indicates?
6:17:53
